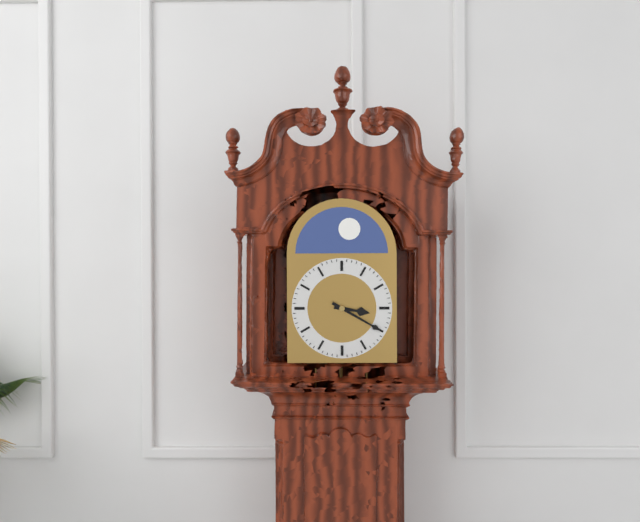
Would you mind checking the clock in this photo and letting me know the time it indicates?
3:20
